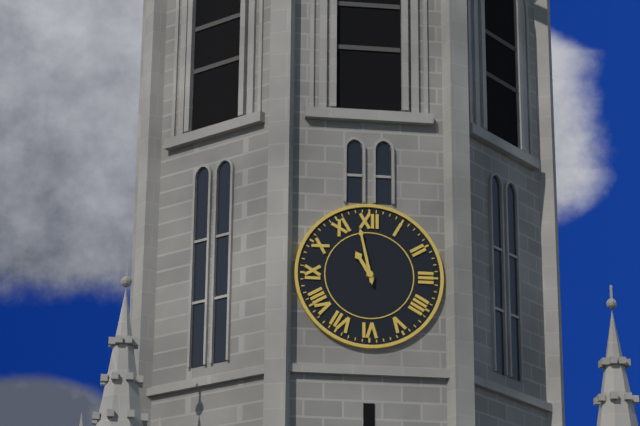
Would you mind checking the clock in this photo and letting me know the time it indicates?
10:58
